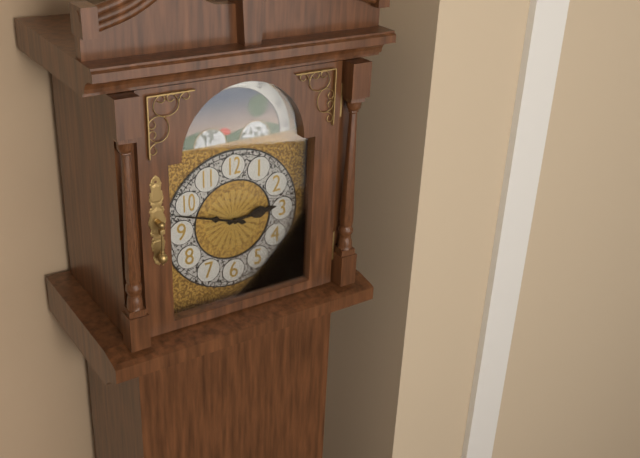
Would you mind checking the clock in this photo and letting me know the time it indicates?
2:48
